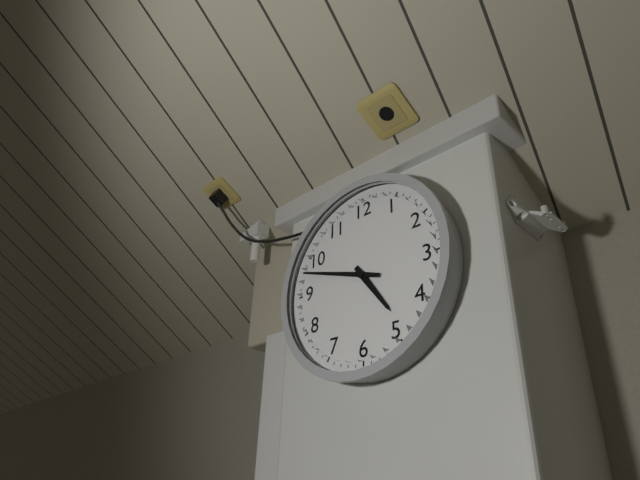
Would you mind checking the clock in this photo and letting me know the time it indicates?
4:48
